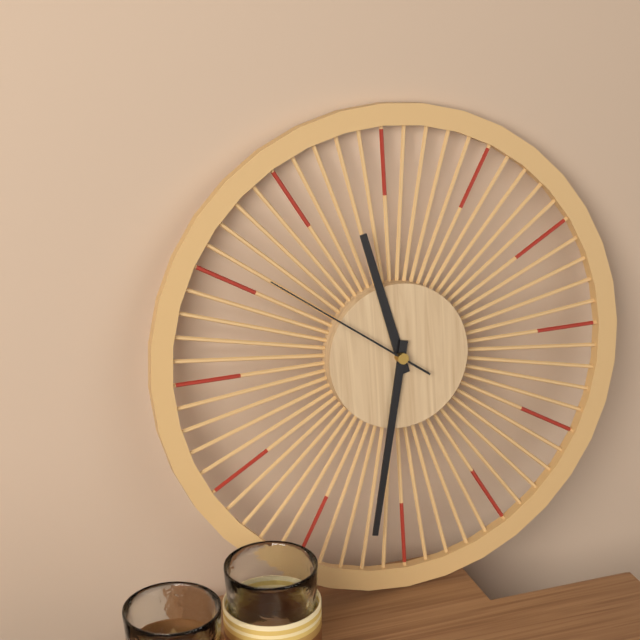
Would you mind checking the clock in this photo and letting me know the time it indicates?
11:32:51
